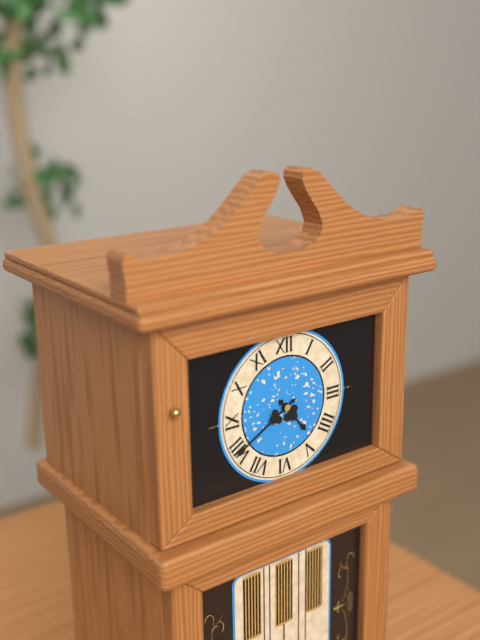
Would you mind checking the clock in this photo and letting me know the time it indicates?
4:40
